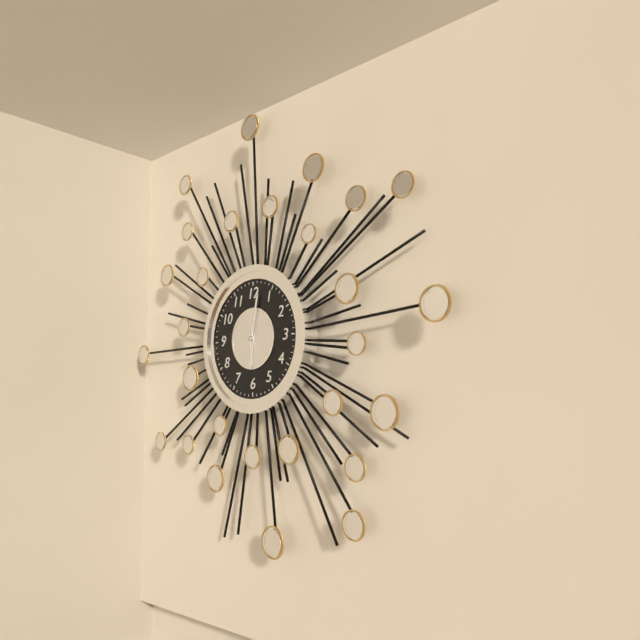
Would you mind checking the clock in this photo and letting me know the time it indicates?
6:02
